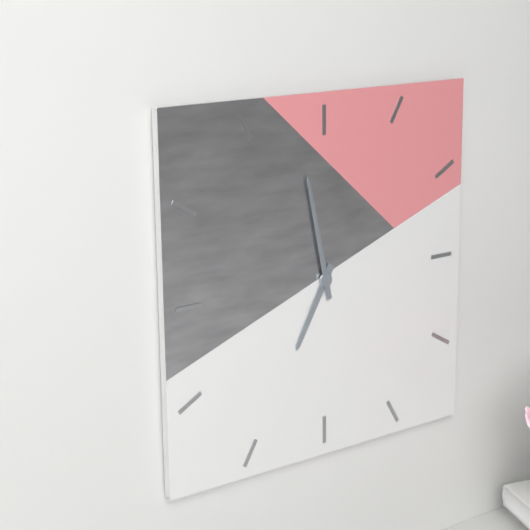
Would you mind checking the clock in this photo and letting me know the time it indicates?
6:58
